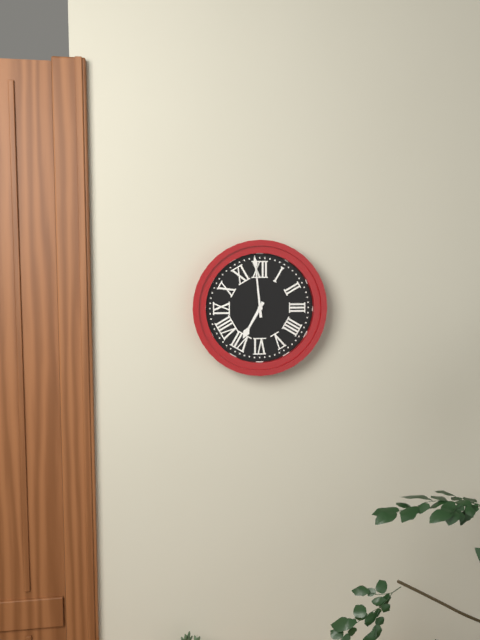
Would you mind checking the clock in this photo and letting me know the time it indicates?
6:59
